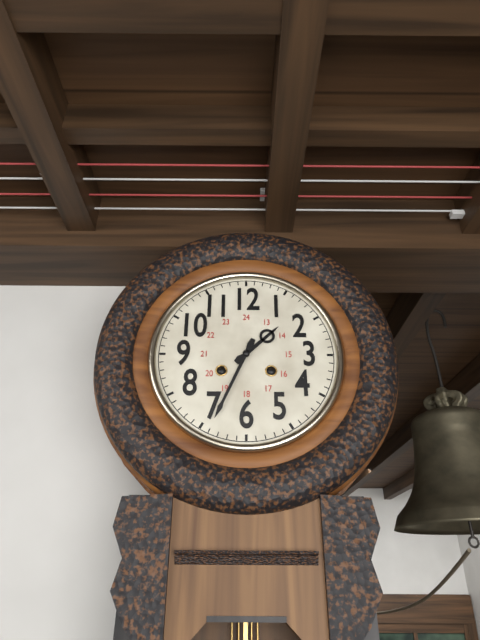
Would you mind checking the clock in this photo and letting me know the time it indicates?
1:34
